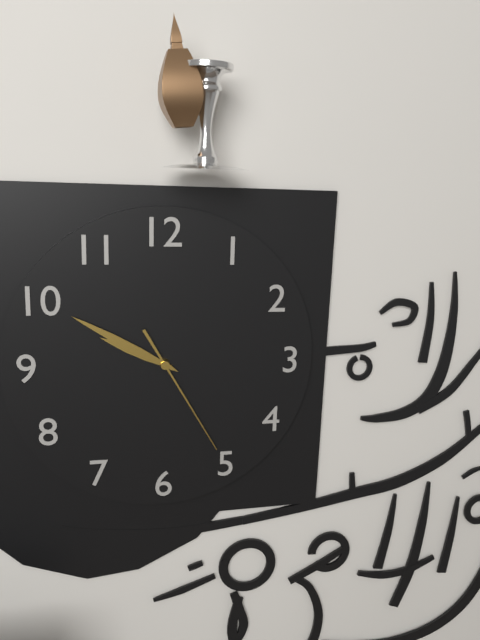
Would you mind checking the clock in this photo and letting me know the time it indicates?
9:50:25
